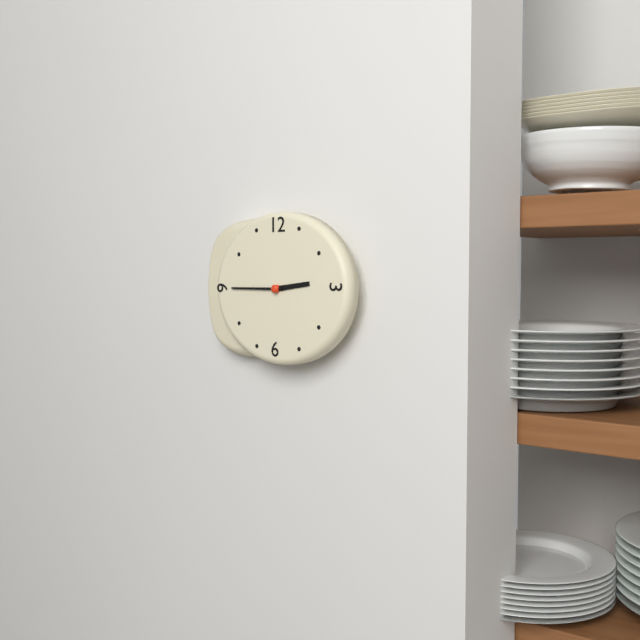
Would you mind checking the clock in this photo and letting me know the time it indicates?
2:45
